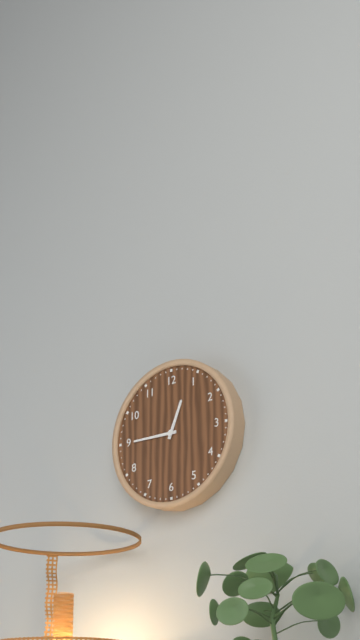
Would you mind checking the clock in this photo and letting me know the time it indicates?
12:45
